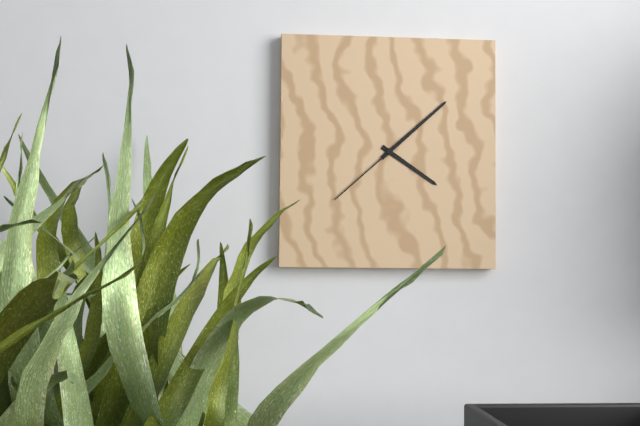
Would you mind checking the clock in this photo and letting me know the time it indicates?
4:08:38
